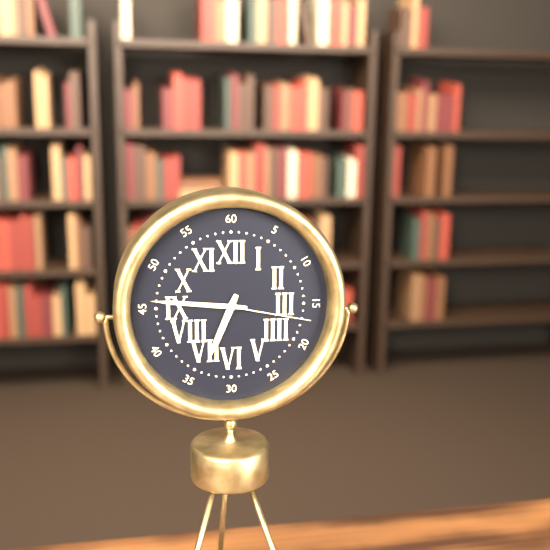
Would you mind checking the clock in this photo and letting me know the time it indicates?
6:46:17
